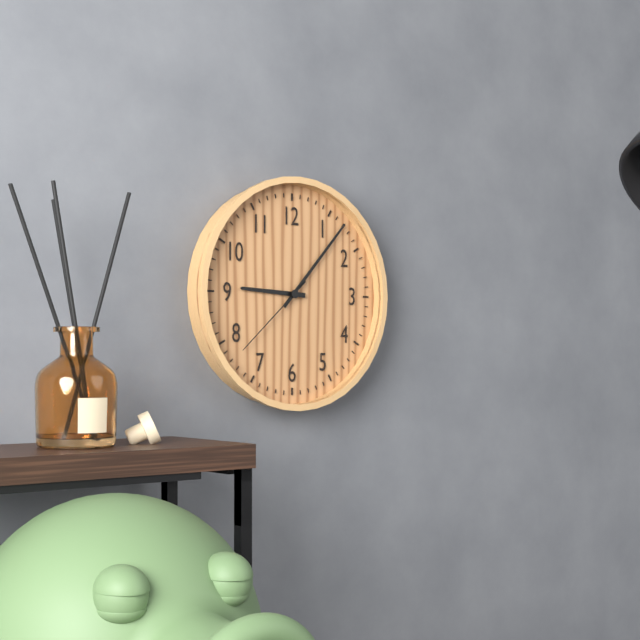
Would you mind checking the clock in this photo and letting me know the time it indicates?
9:07:38
